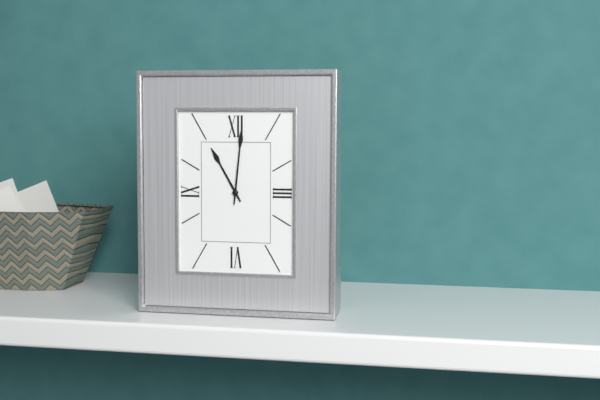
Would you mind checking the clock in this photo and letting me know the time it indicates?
11:01
